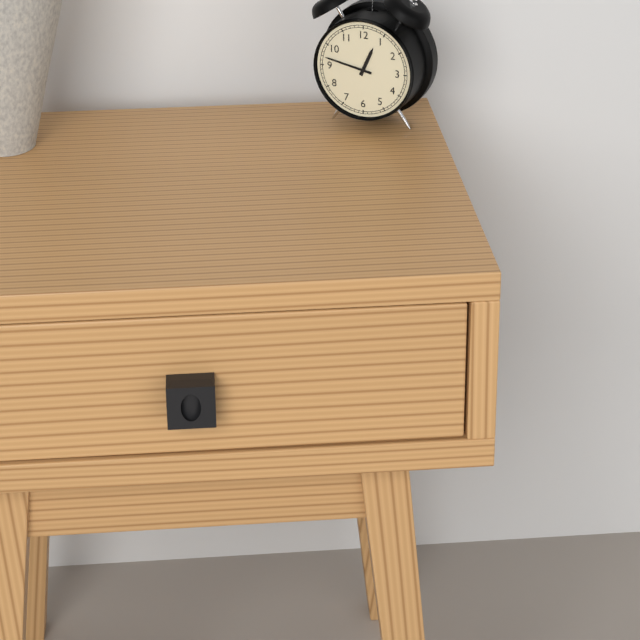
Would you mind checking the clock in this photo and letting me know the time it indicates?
12:47
